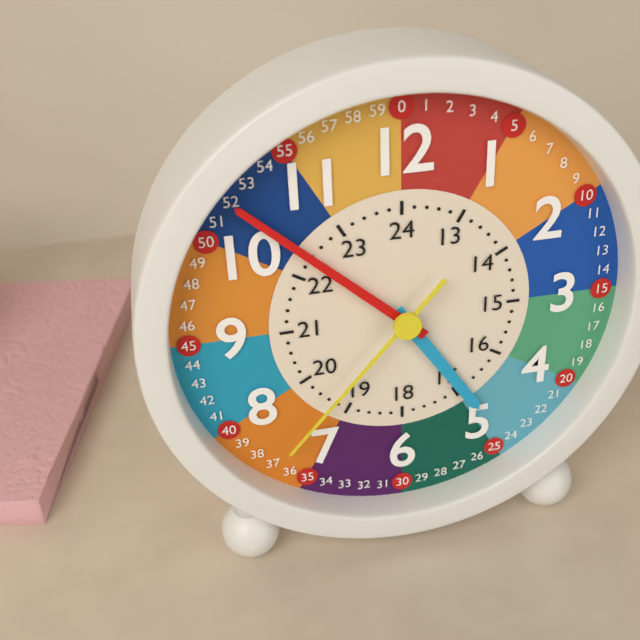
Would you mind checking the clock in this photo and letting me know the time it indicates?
4:52:37
